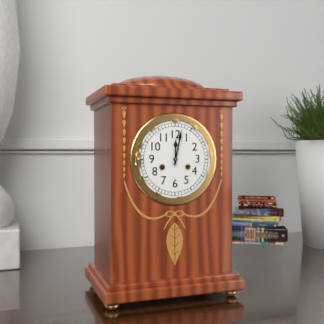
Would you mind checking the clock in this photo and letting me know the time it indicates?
12:02
